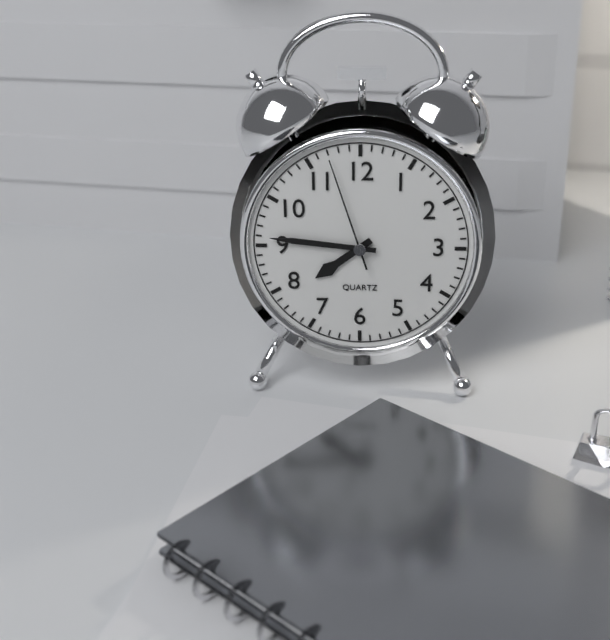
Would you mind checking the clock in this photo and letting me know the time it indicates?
7:46:57
